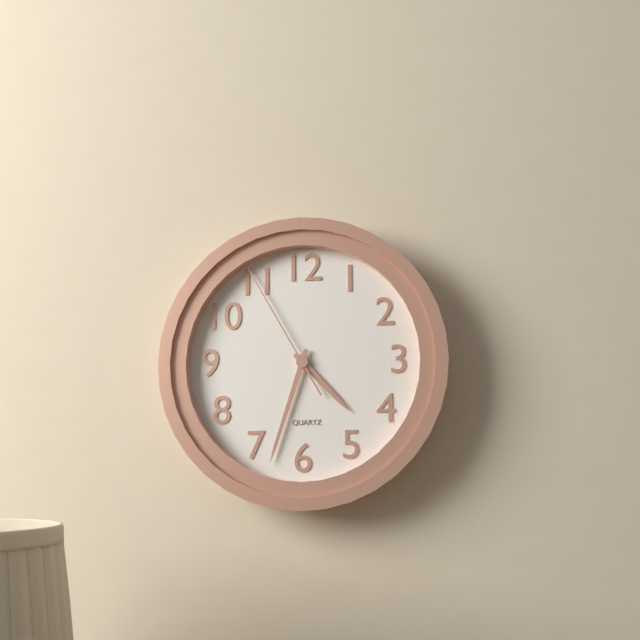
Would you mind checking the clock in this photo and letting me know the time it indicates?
4:33:55
